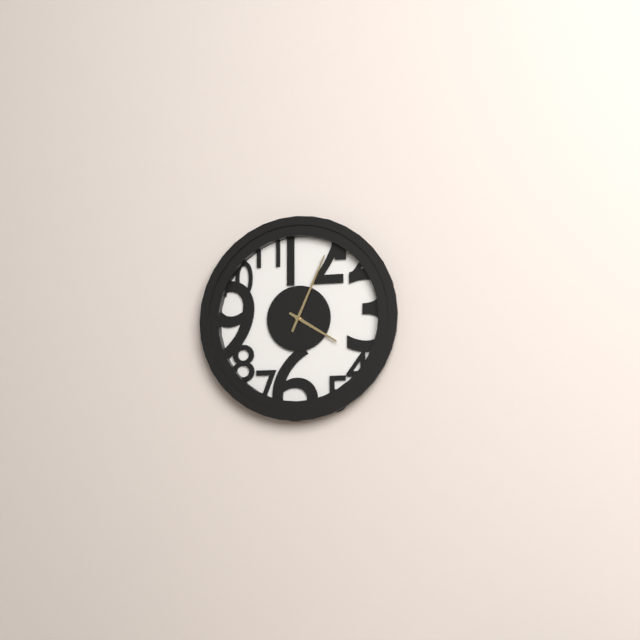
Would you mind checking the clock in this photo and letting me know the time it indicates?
4:04
